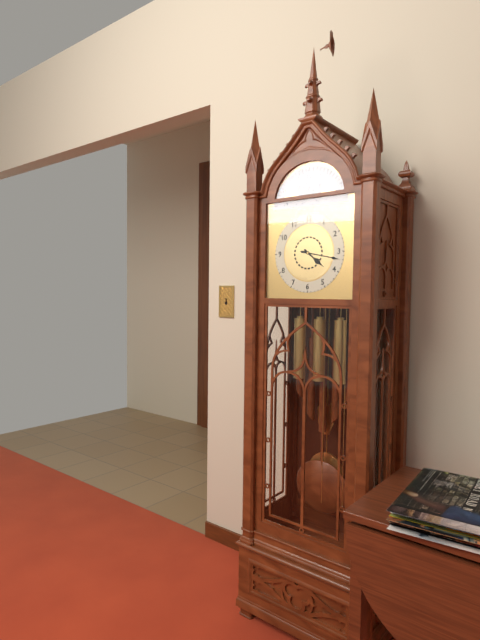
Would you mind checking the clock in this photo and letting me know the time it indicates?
4:17
